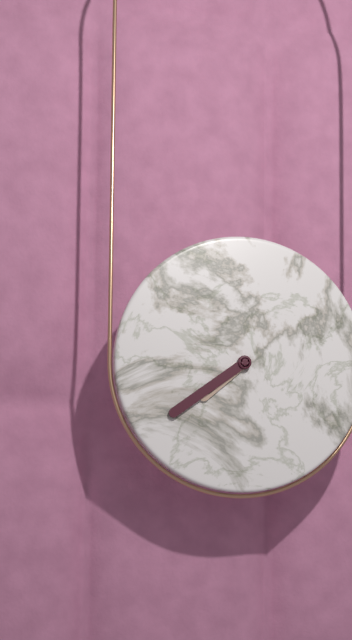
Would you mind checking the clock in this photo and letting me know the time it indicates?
7:39
